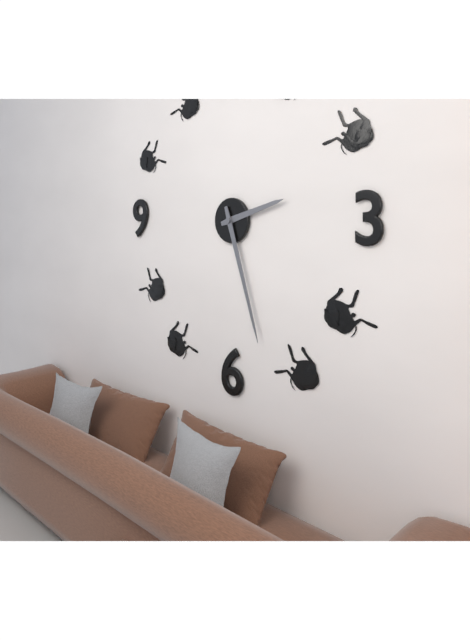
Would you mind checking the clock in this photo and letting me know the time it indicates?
2:27
